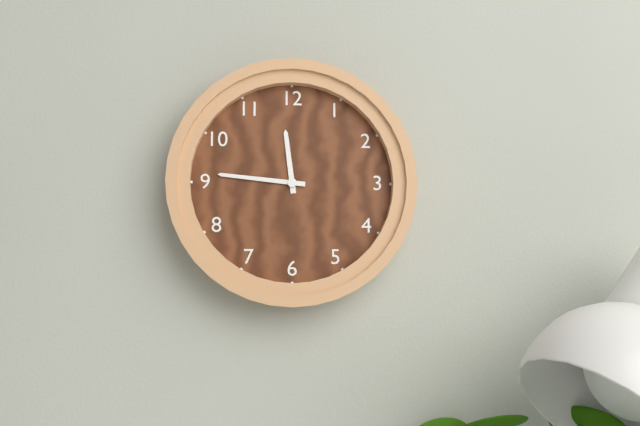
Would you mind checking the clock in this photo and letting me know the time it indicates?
11:46
